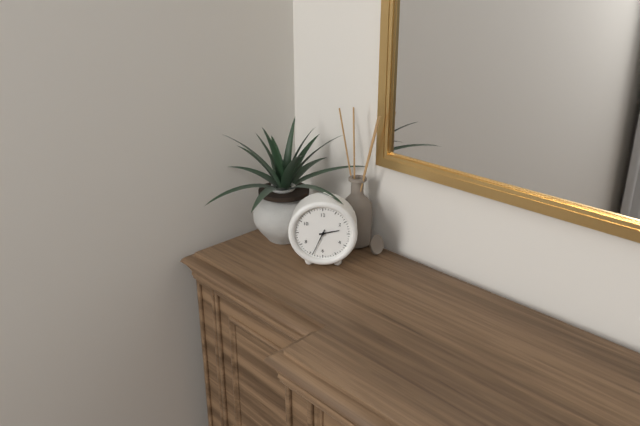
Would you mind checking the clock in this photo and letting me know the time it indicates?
2:34
